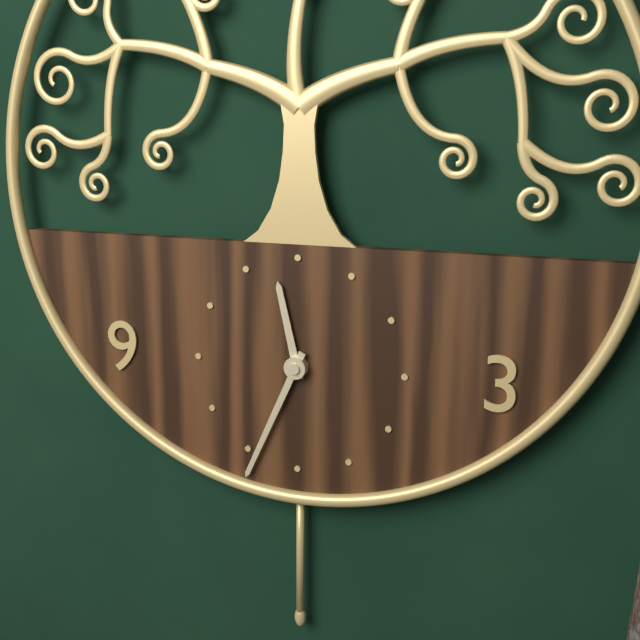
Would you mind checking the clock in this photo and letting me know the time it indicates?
11:34
